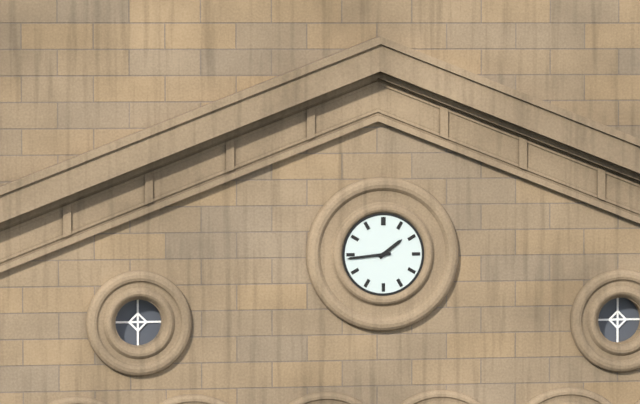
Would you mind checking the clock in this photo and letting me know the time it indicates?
1:44
